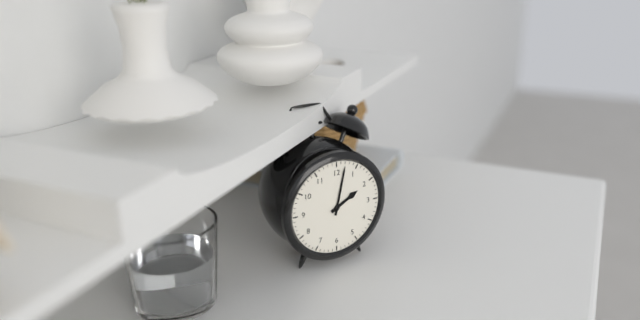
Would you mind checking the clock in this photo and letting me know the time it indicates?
2:02
